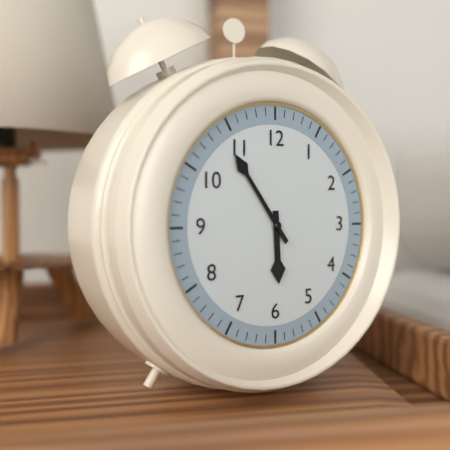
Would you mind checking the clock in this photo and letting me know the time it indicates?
5:54
